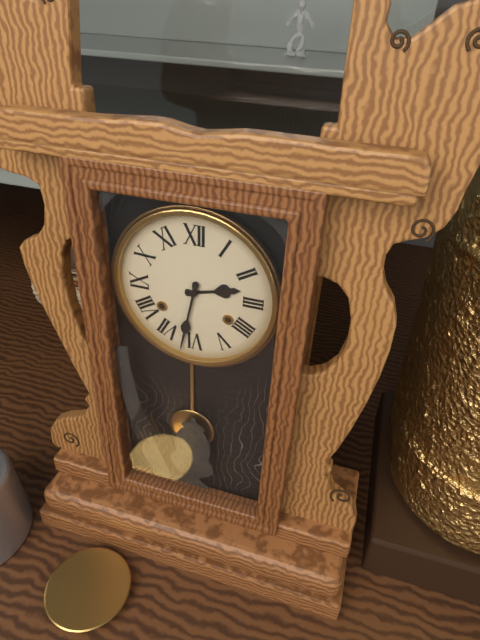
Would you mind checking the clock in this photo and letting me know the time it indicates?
2:32
